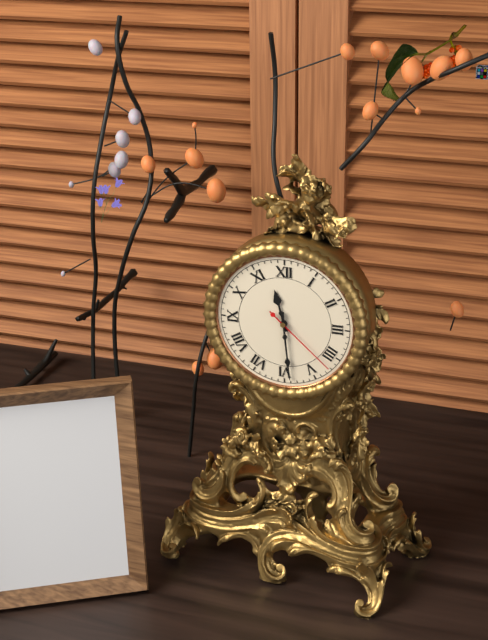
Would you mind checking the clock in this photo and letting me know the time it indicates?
11:29:22
